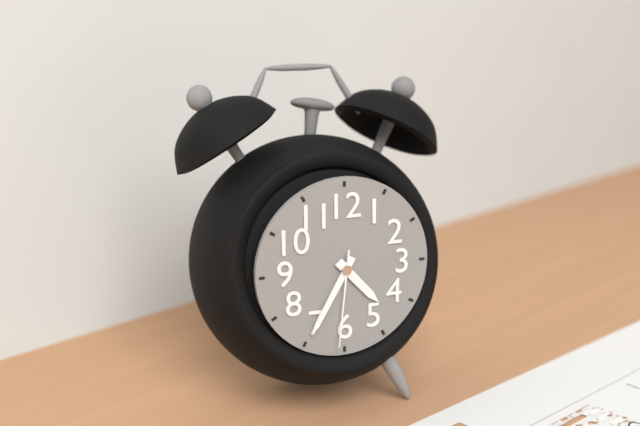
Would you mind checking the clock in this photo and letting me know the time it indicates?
4:35:31
